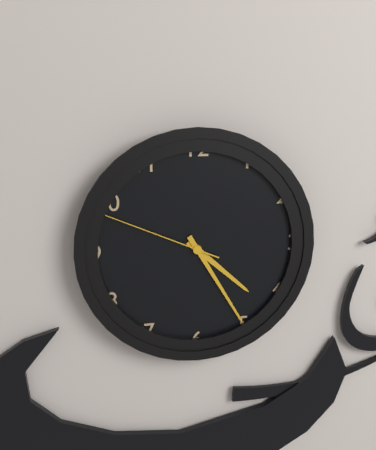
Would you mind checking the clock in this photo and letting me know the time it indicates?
4:25:49
